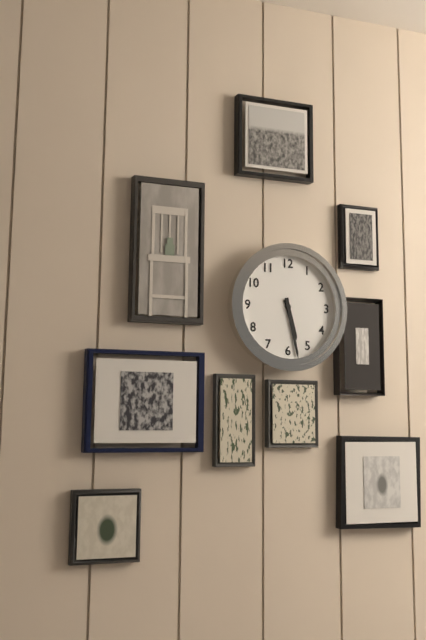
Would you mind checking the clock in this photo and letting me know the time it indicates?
5:28
